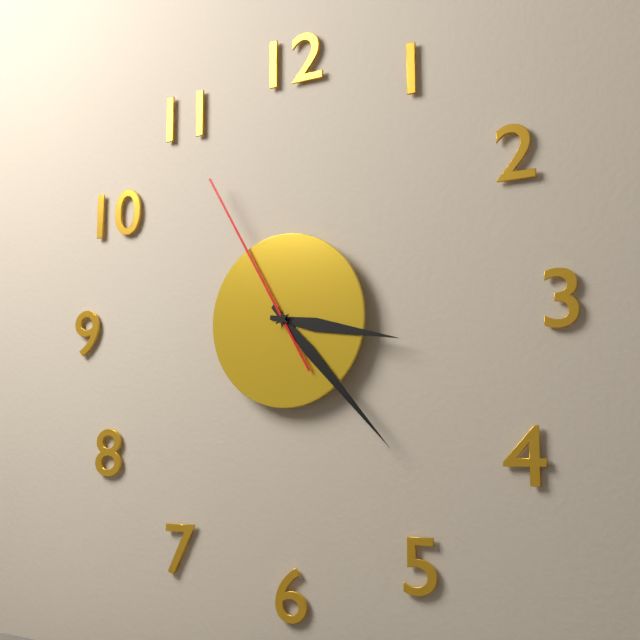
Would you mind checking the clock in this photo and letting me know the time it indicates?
3:23:55
